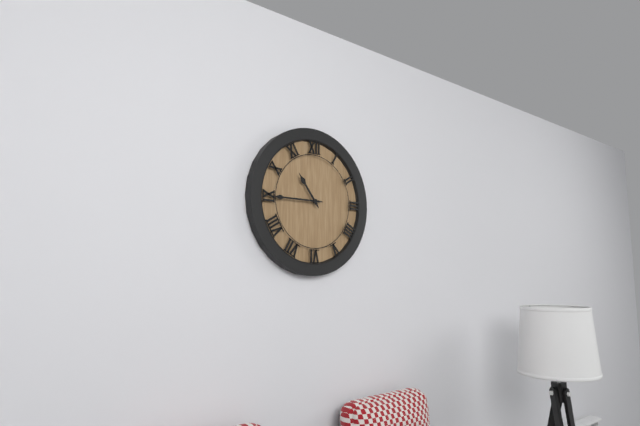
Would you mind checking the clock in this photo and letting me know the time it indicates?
10:45
